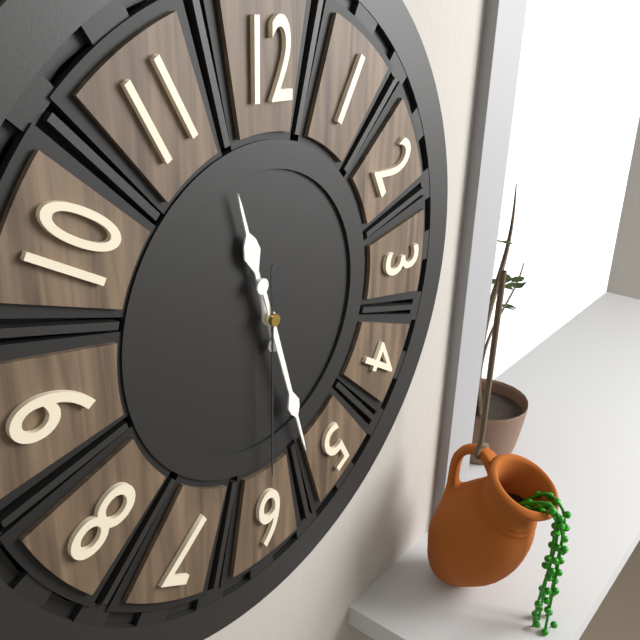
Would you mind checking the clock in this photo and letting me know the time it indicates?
11:27:30
